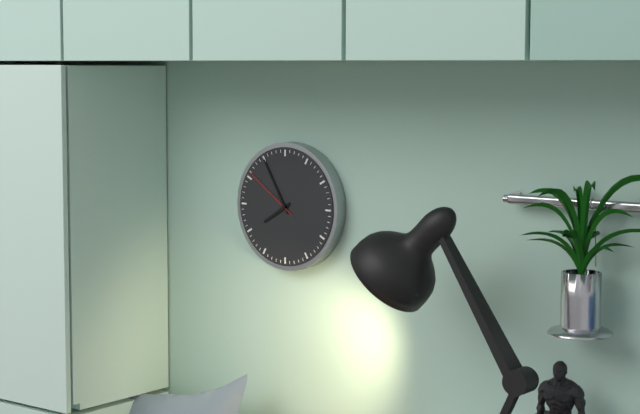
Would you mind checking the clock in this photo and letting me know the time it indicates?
7:55:51
